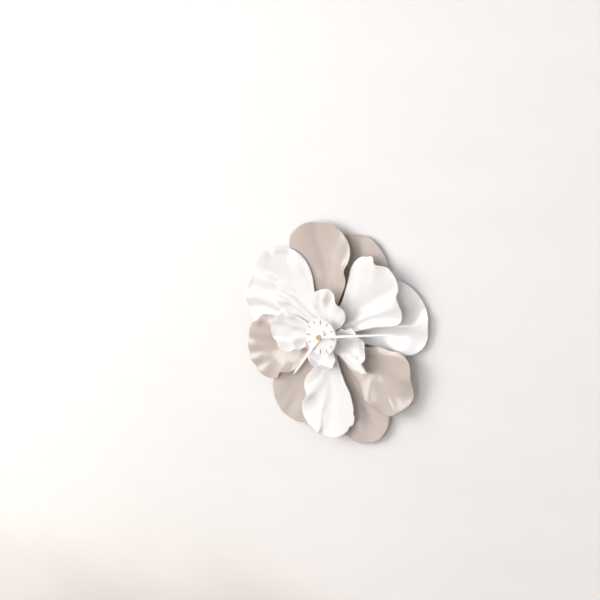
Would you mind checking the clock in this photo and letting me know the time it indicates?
7:13
